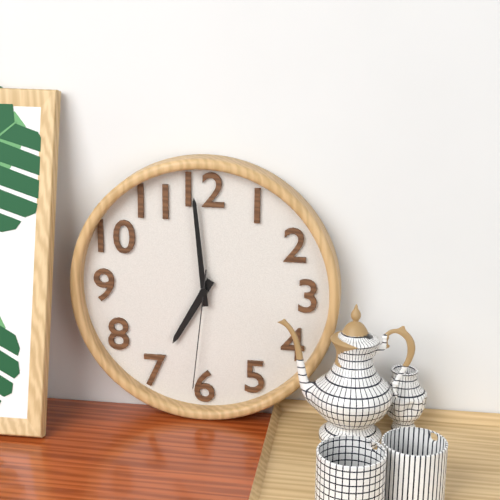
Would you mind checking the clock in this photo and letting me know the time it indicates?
6:59:31
